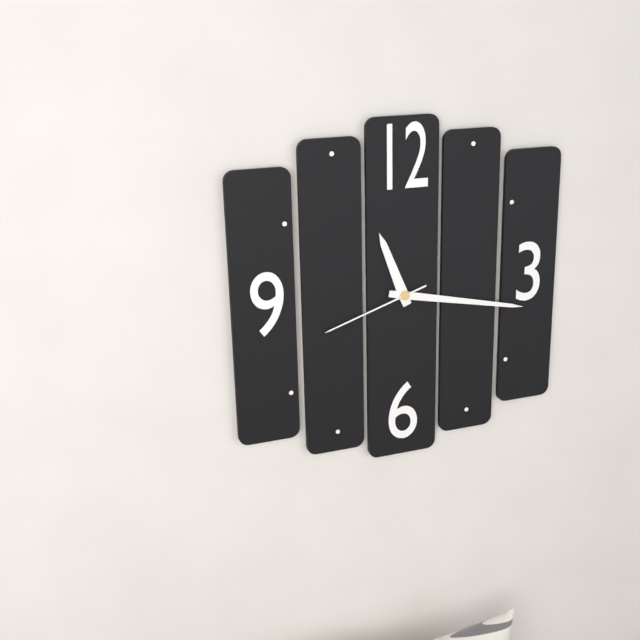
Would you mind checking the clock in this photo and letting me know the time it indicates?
11:17:42
